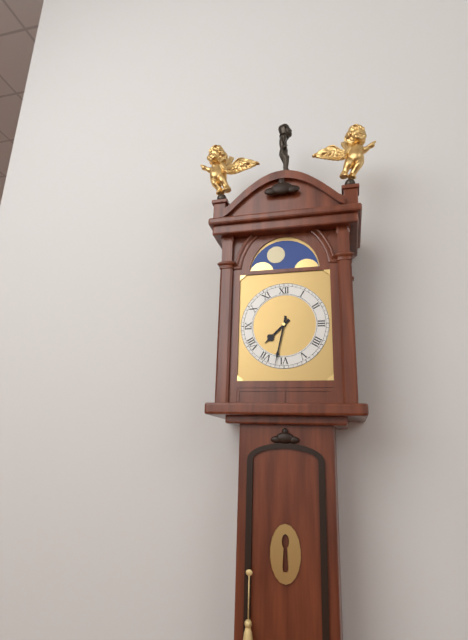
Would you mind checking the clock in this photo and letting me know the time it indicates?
7:32
